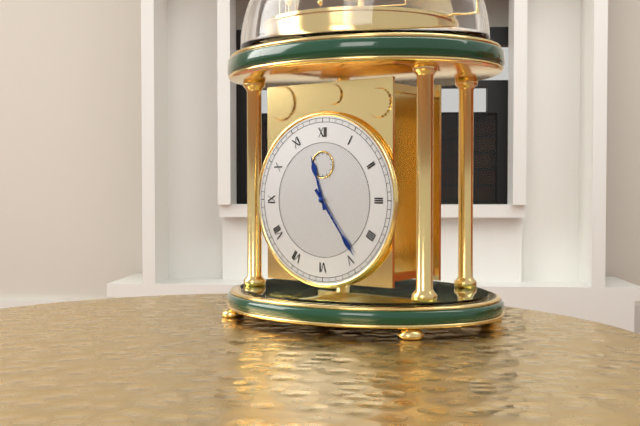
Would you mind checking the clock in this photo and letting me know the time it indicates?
11:24
